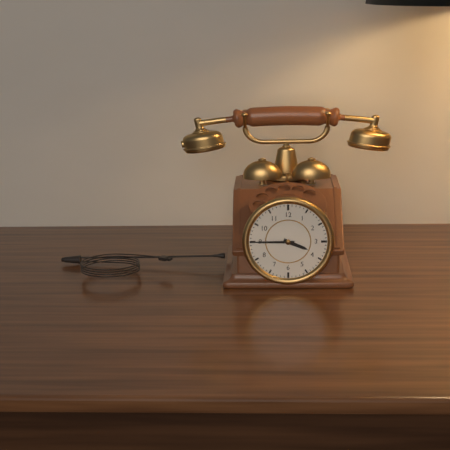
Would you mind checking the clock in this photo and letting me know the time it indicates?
3:45
